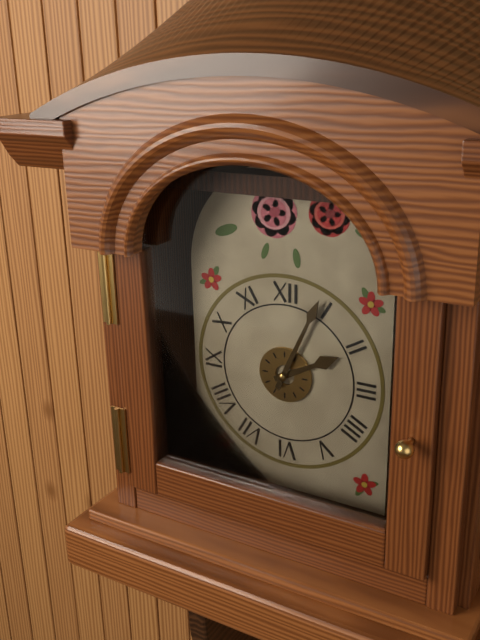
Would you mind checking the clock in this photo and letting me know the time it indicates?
2:04
